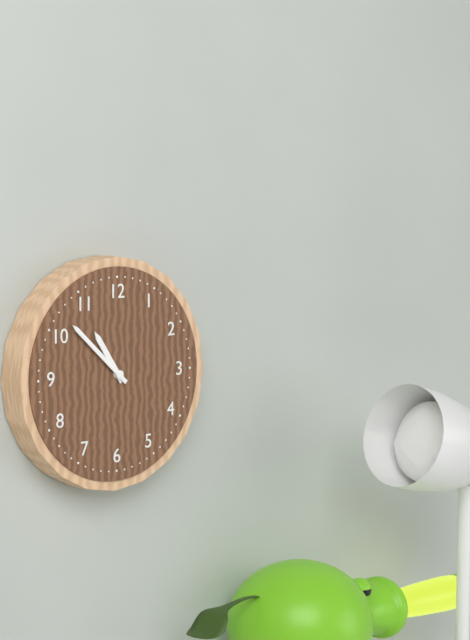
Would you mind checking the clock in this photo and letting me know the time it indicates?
10:52
